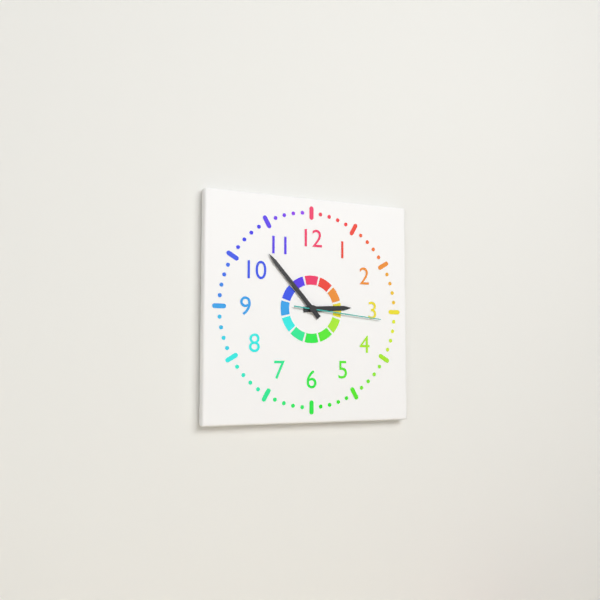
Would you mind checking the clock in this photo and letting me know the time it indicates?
2:53:16
